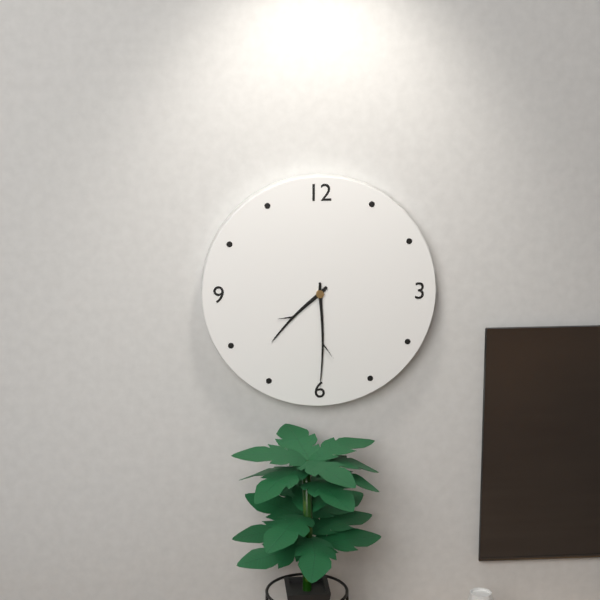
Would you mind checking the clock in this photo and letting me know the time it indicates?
7:30
